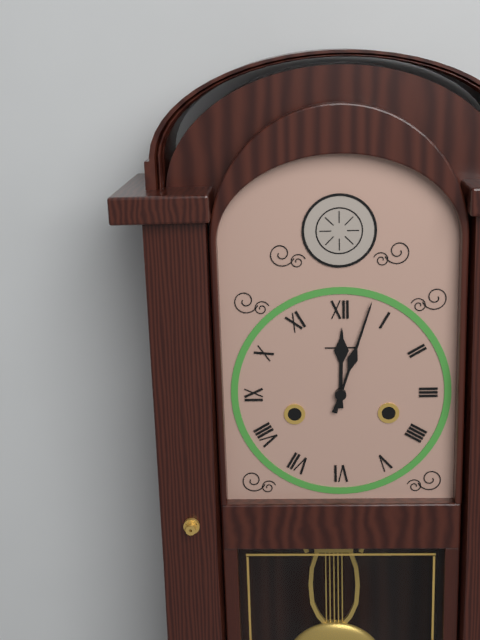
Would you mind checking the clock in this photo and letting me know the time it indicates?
12:03
